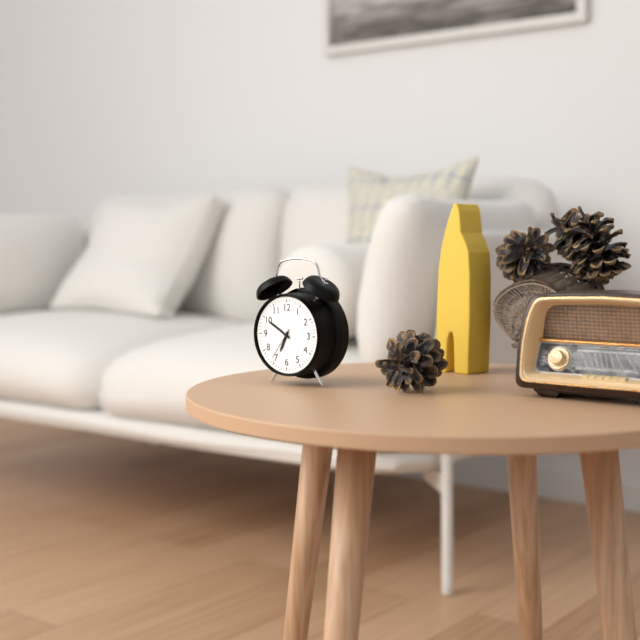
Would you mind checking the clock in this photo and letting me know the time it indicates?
6:50
